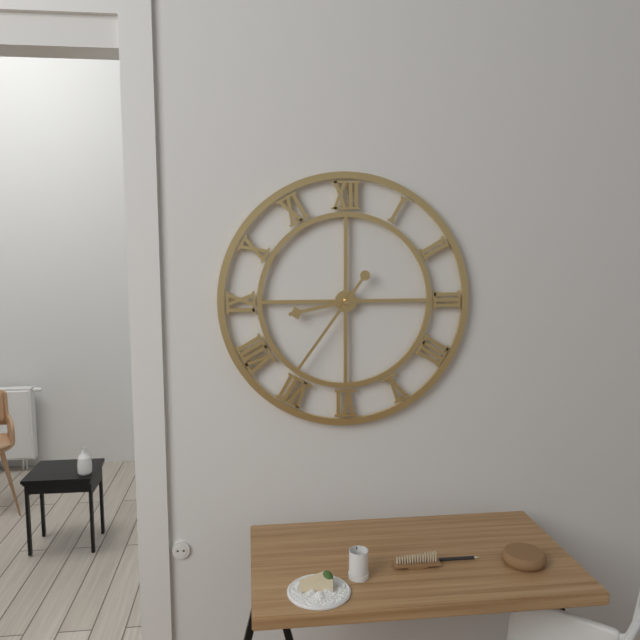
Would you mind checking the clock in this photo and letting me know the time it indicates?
8:36
